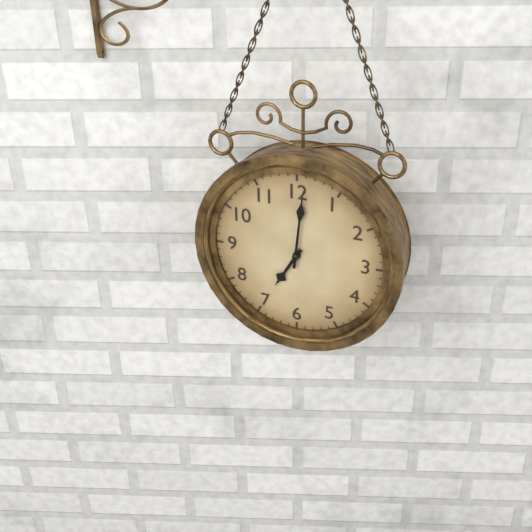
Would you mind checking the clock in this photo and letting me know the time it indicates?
7:01
